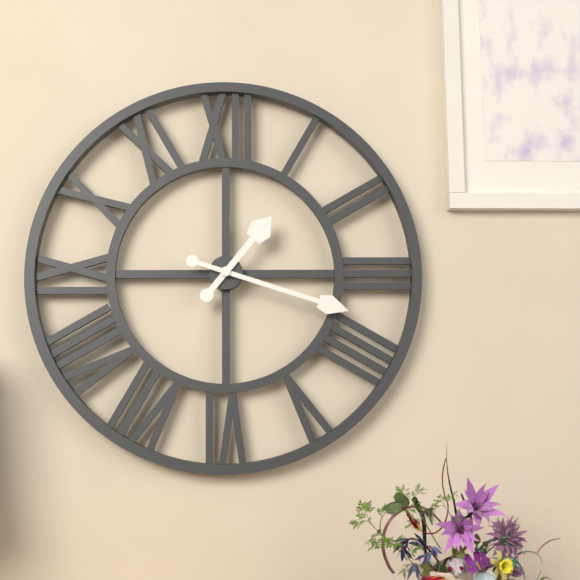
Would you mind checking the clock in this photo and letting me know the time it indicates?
1:18
